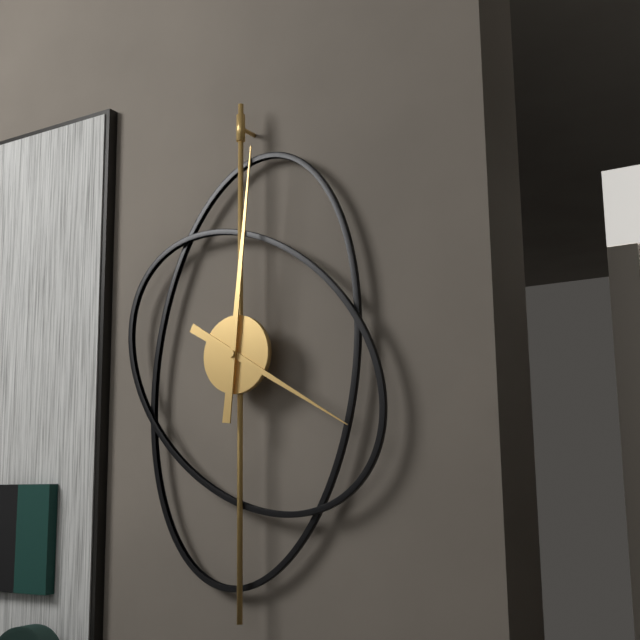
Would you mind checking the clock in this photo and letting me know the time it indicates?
4:01
